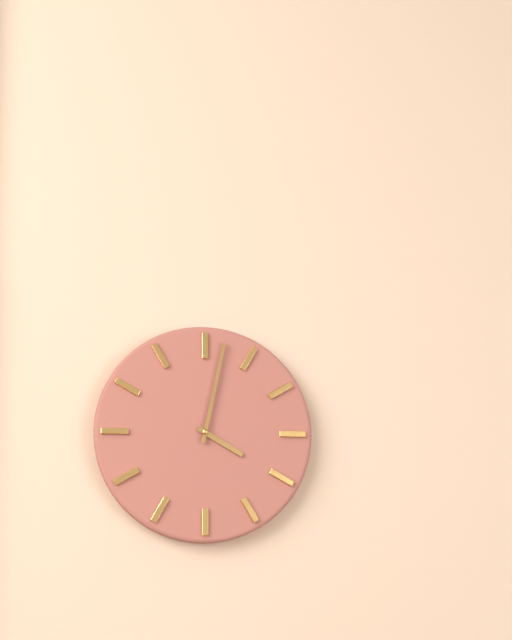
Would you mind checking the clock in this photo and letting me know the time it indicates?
4:02
